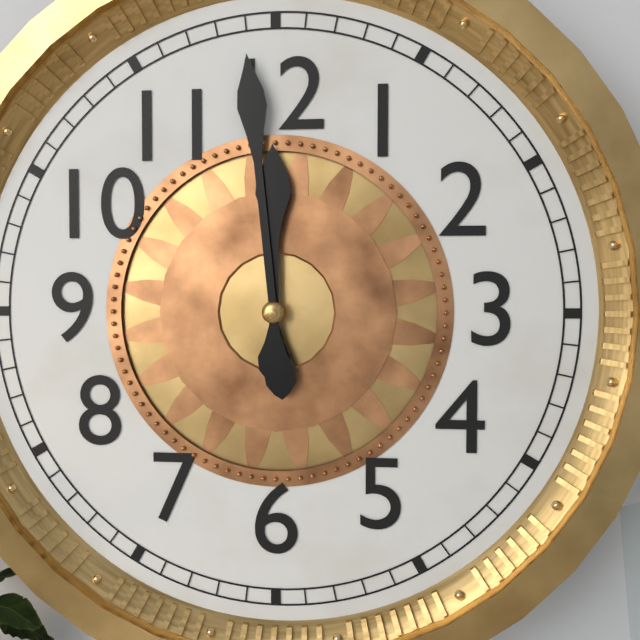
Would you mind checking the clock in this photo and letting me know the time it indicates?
11:59
